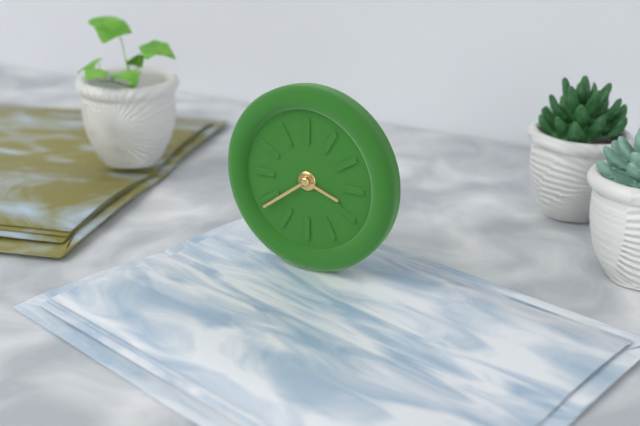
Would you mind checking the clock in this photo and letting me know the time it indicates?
3:39
